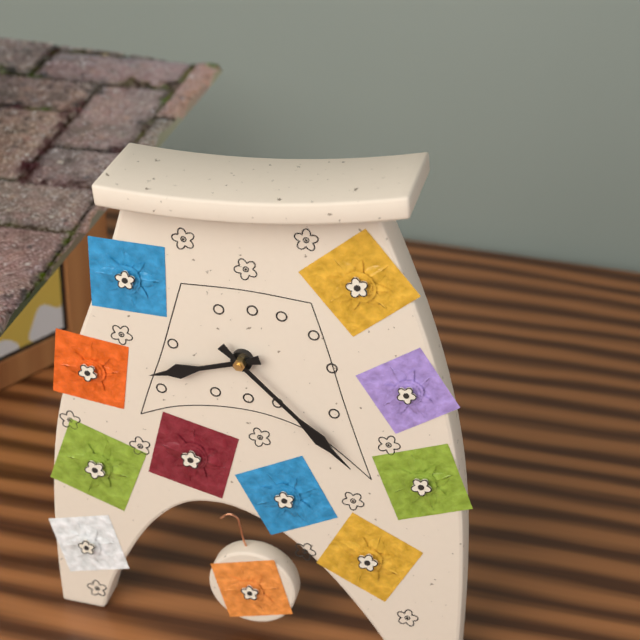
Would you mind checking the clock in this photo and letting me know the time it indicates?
8:22
